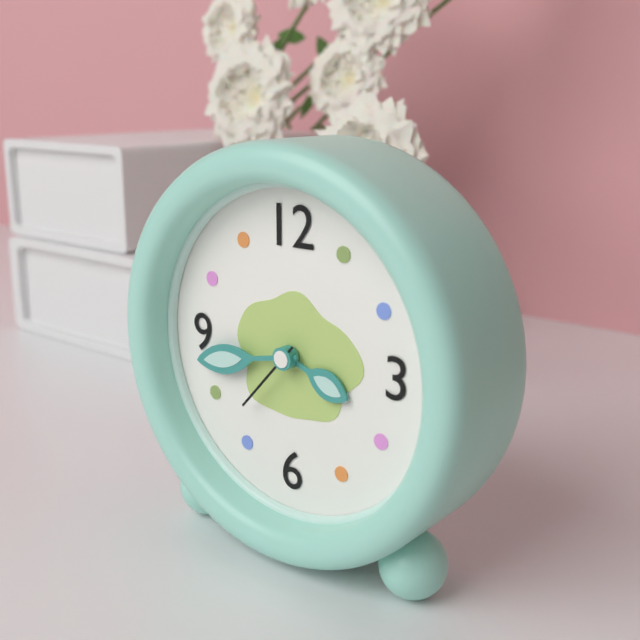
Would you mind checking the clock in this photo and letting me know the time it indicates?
3:43:37
